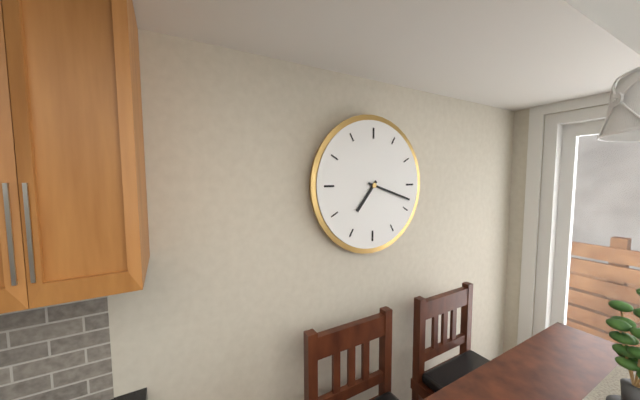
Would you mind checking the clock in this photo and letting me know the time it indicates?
7:18
